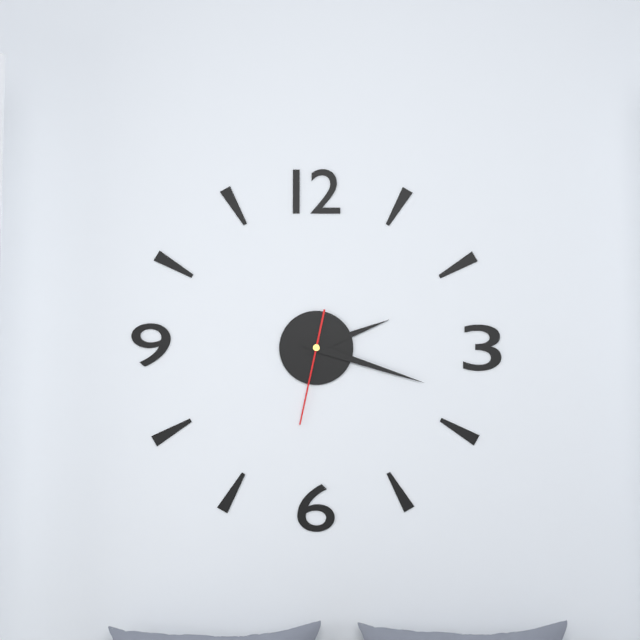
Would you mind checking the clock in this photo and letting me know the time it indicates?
2:18:32
